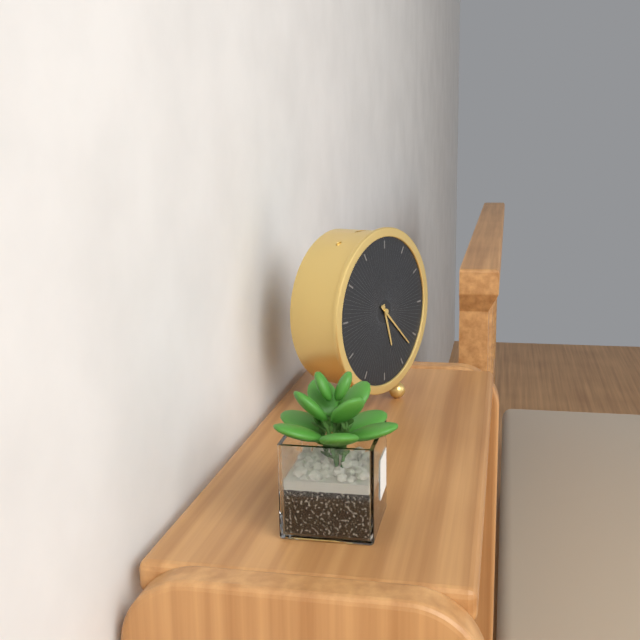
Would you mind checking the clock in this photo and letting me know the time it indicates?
5:22
